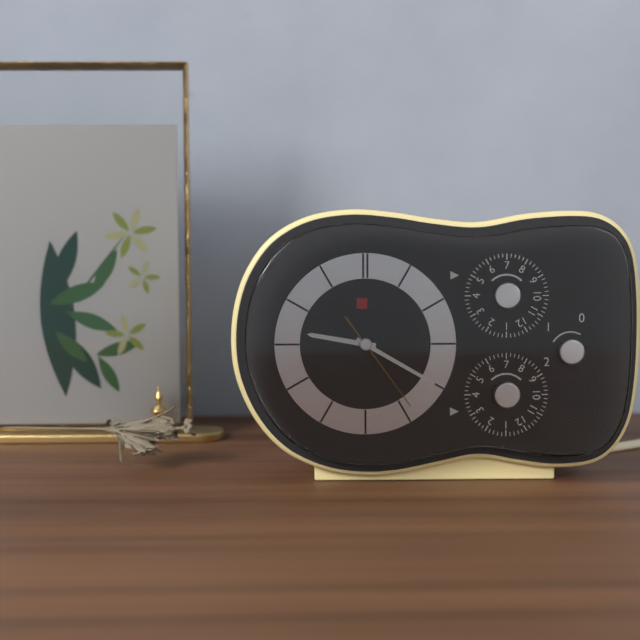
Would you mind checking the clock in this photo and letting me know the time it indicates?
9:20:24
